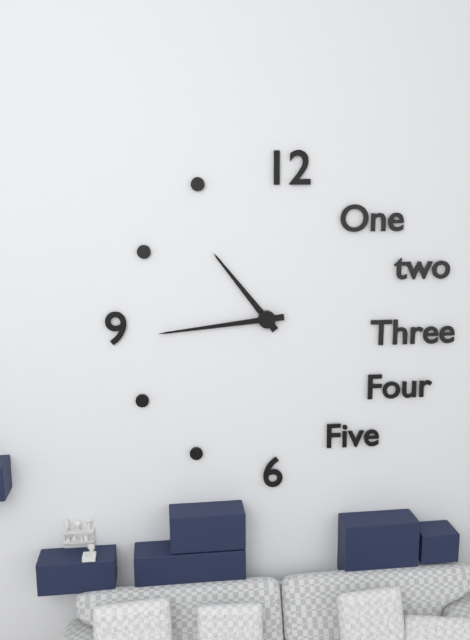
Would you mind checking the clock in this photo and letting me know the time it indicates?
10:44
